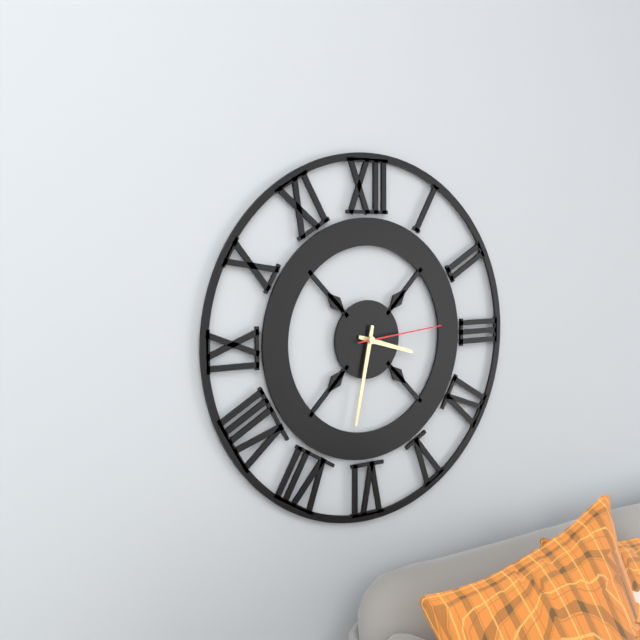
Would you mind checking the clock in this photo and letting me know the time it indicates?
3:32:14
